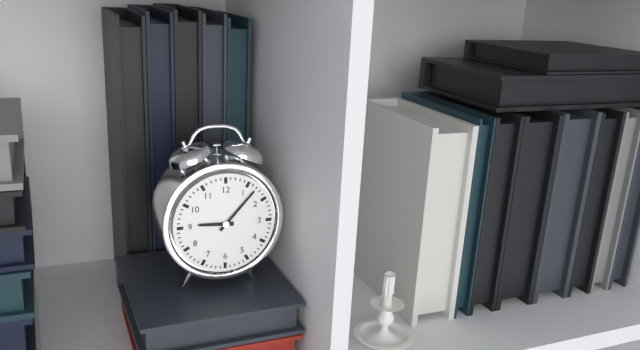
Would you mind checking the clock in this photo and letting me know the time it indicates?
9:07
